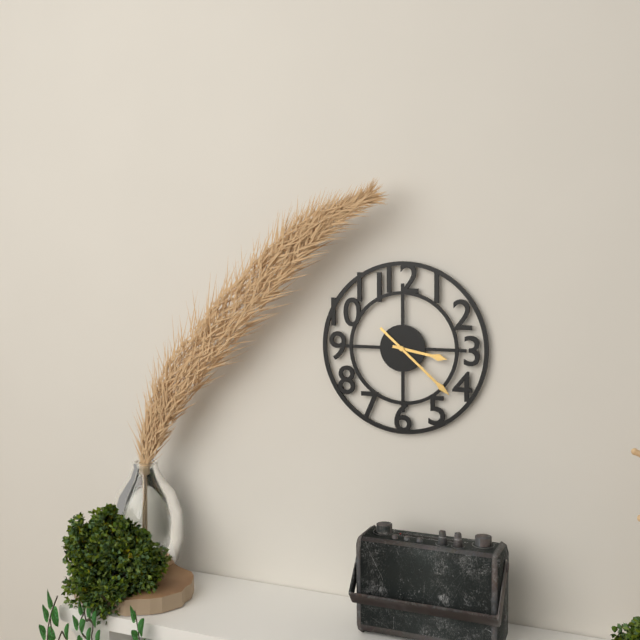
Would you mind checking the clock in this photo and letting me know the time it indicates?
3:22
